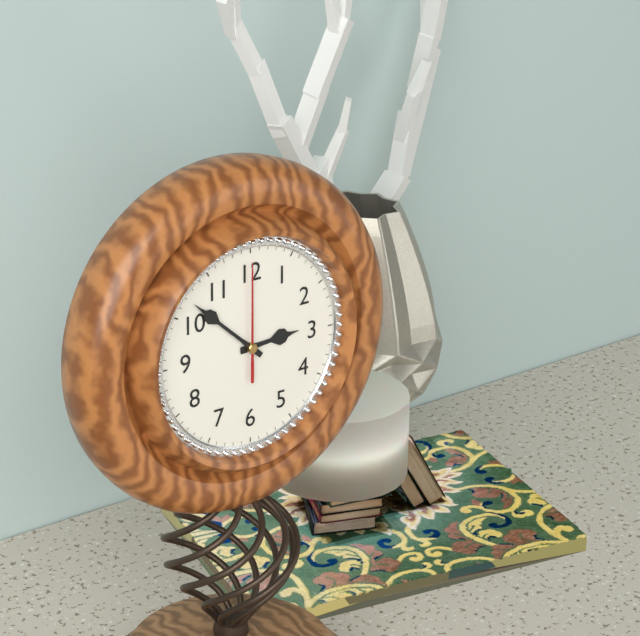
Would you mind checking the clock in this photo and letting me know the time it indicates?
2:52:00
